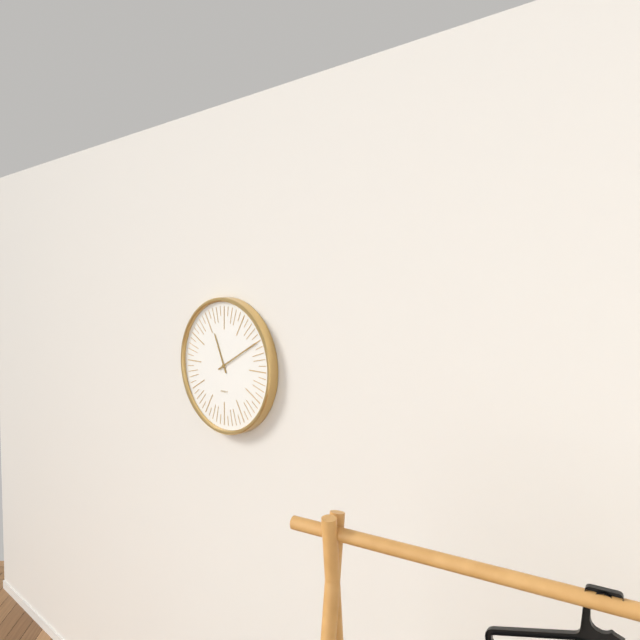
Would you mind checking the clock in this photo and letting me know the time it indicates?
11:10
